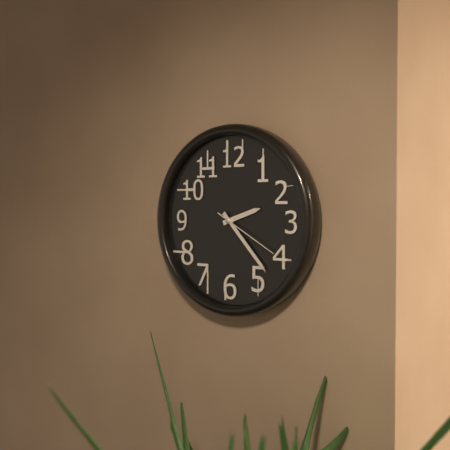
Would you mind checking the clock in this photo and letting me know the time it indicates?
2:23:20
